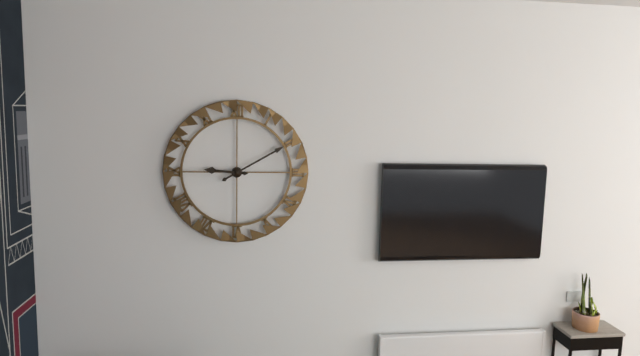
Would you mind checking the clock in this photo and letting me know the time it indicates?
9:10
